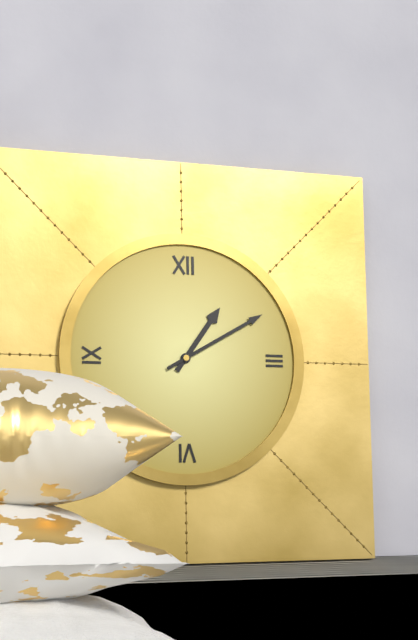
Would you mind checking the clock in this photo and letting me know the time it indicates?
1:10
